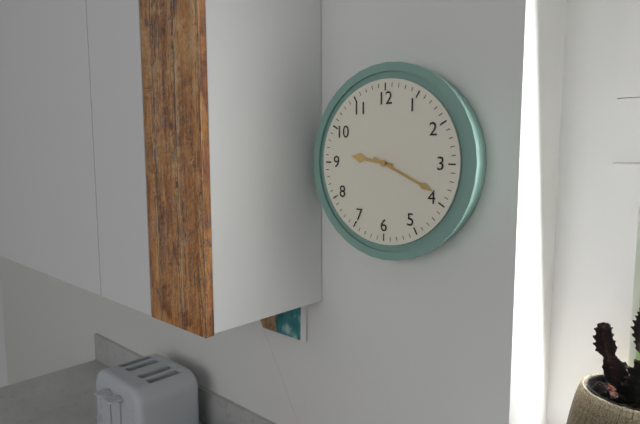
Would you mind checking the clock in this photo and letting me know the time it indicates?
9:19
